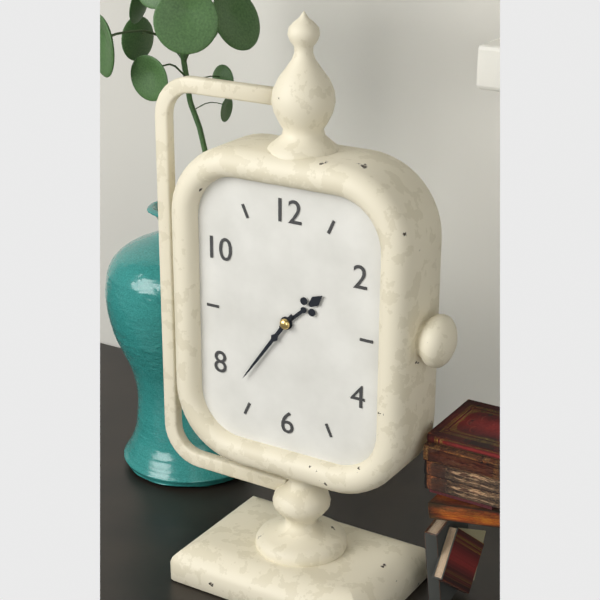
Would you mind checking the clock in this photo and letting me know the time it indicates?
1:36
